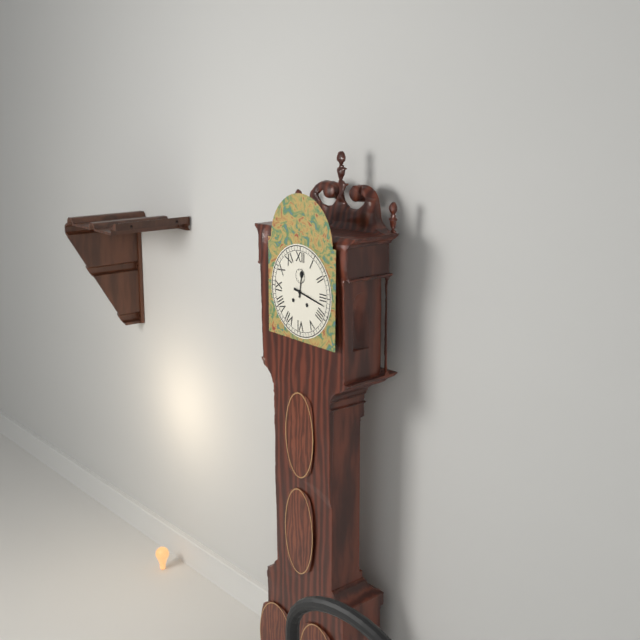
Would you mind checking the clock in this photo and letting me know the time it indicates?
12:17
